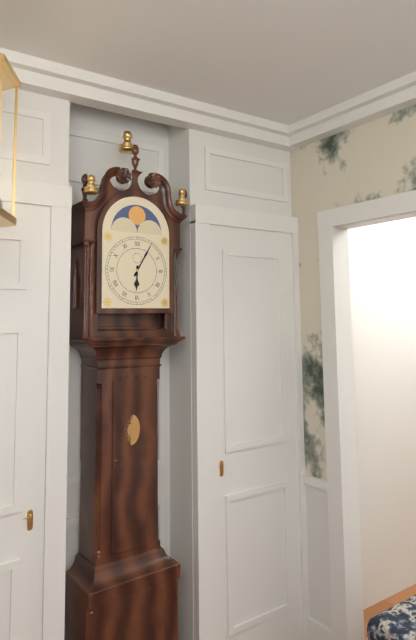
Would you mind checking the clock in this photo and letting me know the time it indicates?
6:05
